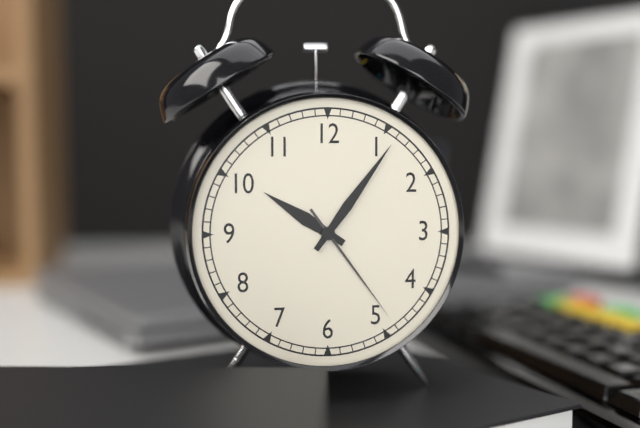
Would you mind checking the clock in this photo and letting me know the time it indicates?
10:06:24
